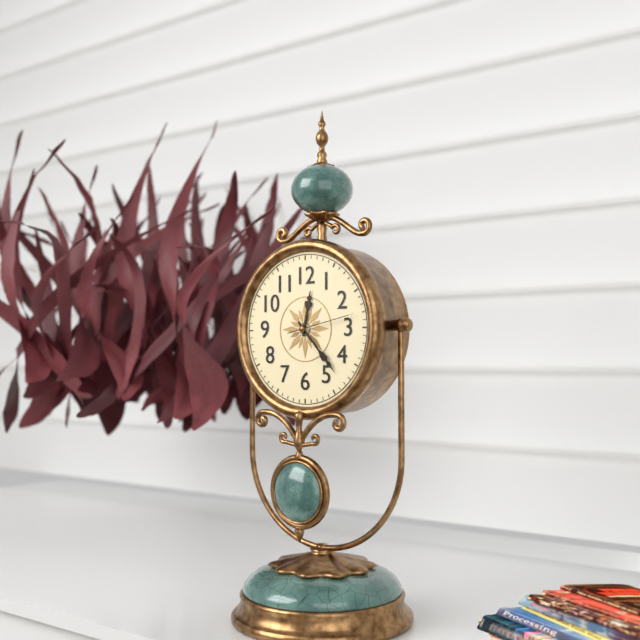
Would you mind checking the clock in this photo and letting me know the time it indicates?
12:23:13
